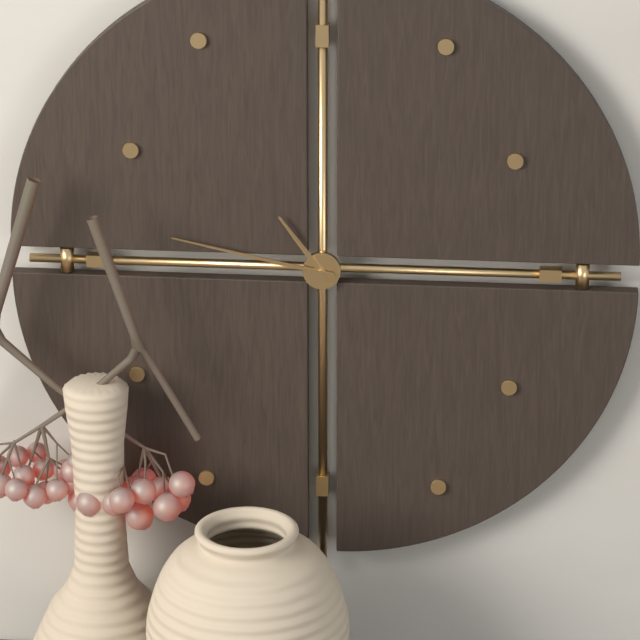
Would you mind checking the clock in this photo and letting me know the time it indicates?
10:47
